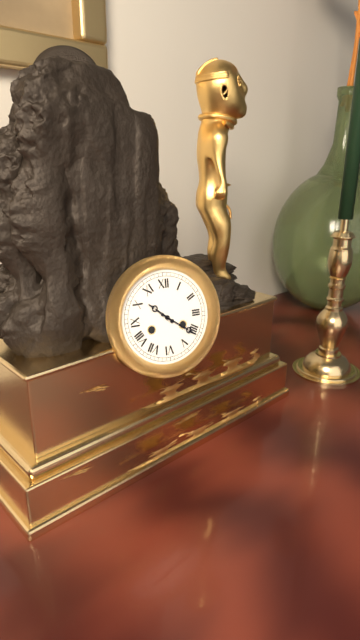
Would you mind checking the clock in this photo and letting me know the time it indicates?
10:21
